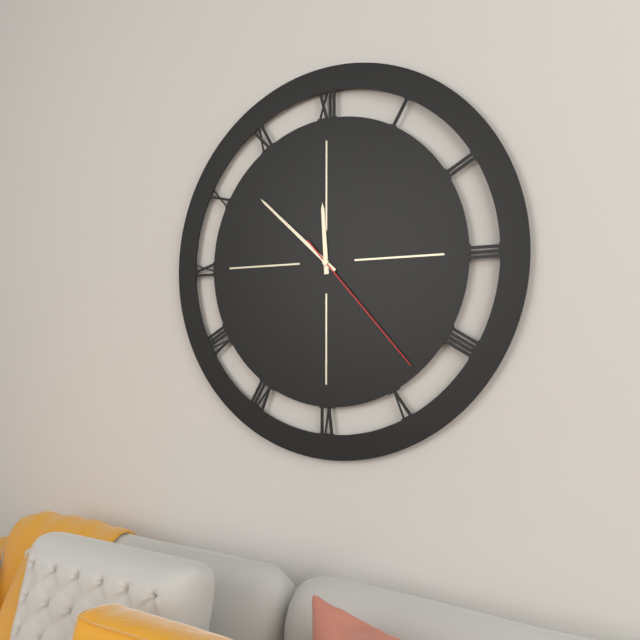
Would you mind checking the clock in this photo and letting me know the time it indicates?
11:52:23
